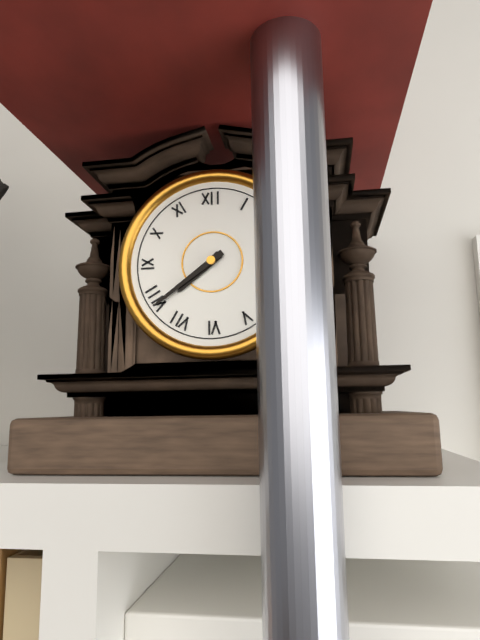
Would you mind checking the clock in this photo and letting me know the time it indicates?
7:39
